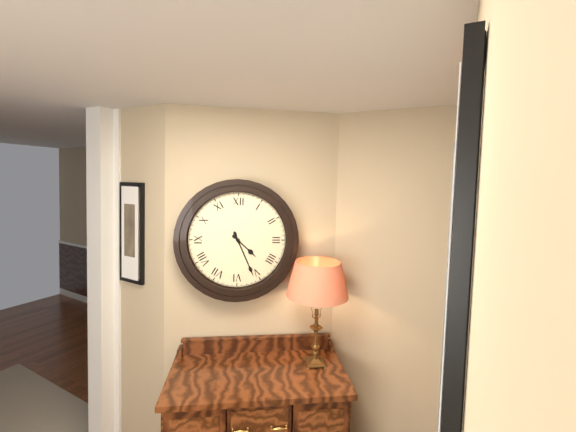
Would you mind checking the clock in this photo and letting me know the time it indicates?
4:26
